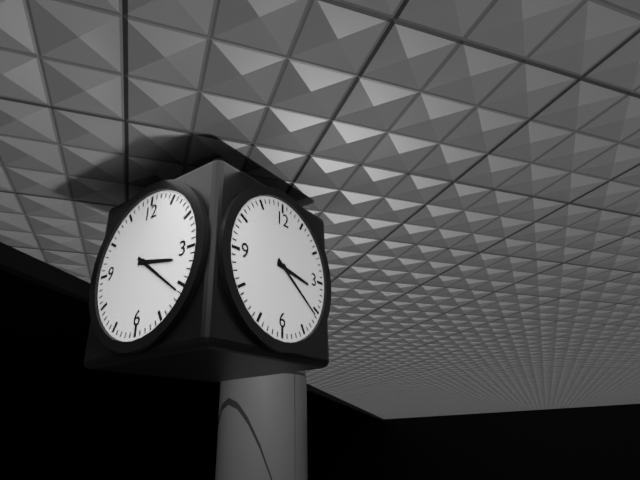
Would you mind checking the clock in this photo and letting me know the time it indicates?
3:21
